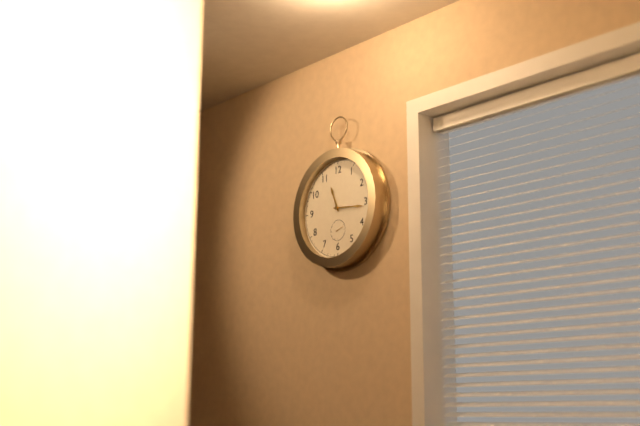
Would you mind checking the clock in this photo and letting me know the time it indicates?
11:16
